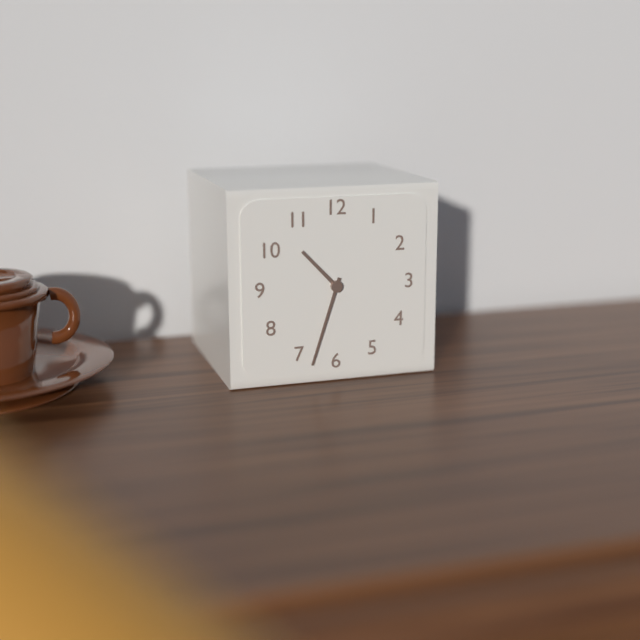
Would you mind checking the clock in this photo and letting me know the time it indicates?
10:33
